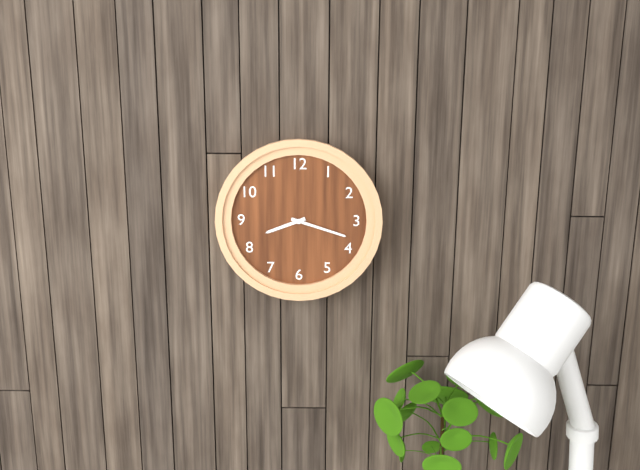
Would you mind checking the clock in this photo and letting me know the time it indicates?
8:18
